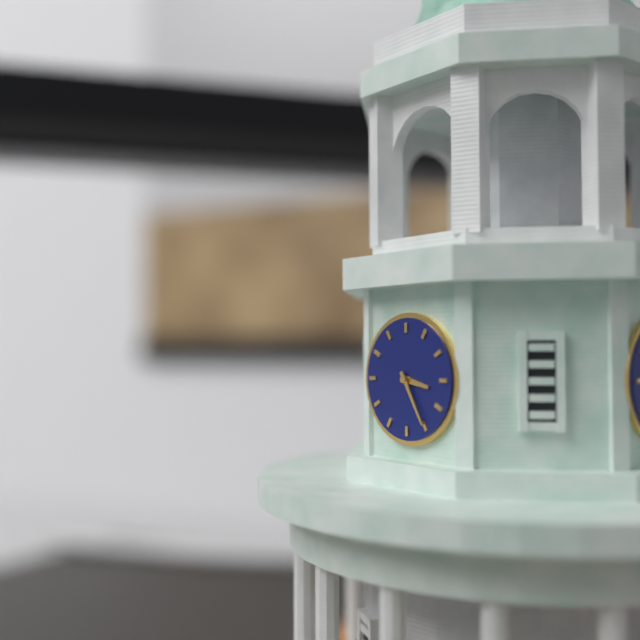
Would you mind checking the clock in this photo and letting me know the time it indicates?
3:25
